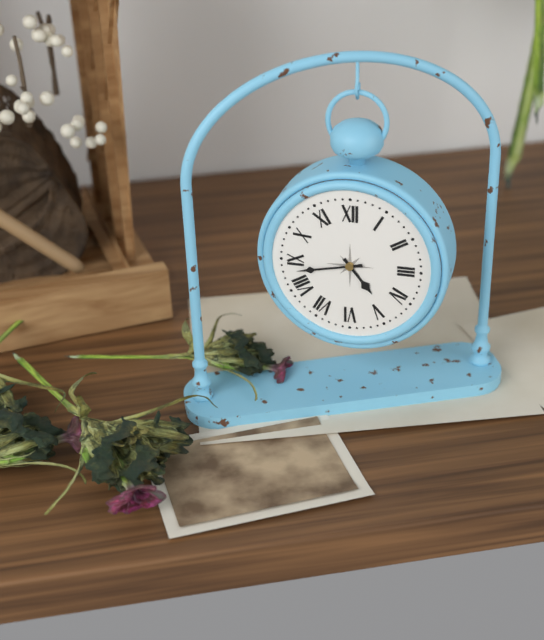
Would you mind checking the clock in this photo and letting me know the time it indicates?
4:43
